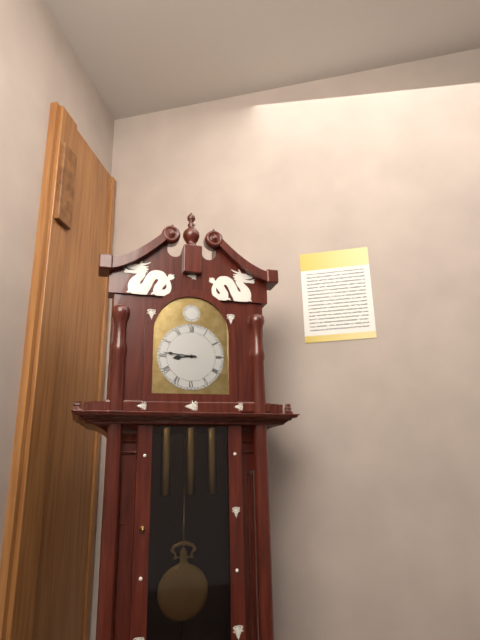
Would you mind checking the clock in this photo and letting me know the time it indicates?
8:46
